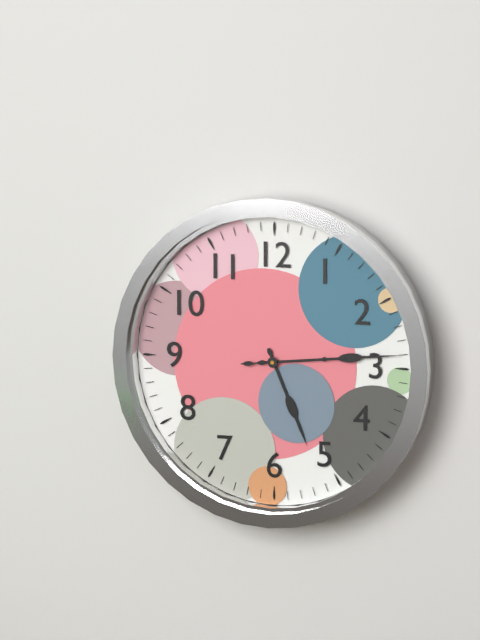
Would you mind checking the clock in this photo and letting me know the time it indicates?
5:14:14
